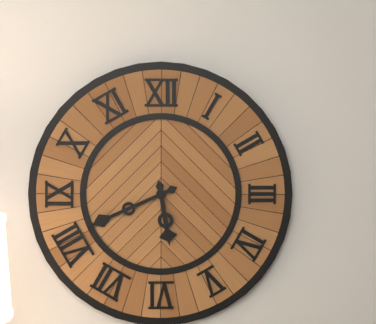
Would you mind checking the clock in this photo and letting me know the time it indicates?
5:41
